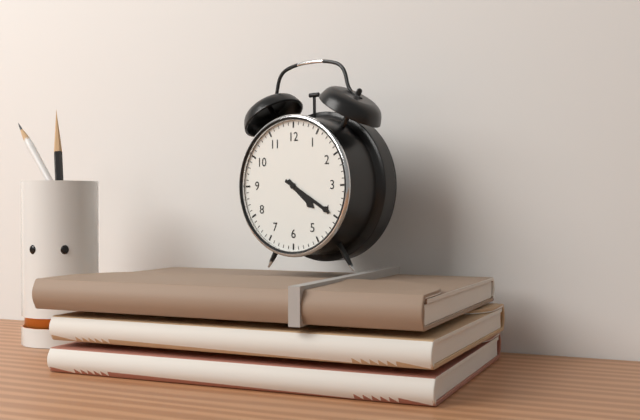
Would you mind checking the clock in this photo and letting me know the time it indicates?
4:20
